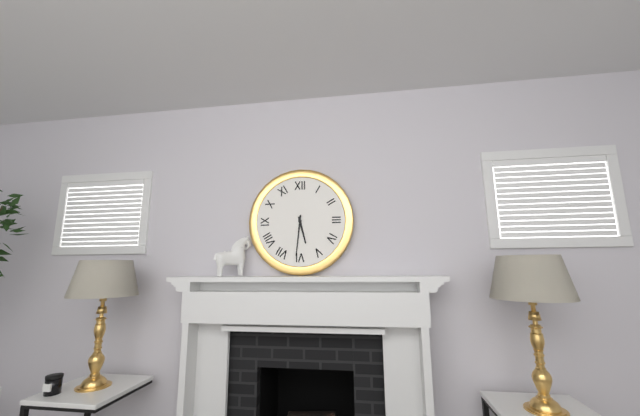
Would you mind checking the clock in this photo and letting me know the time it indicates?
5:31
